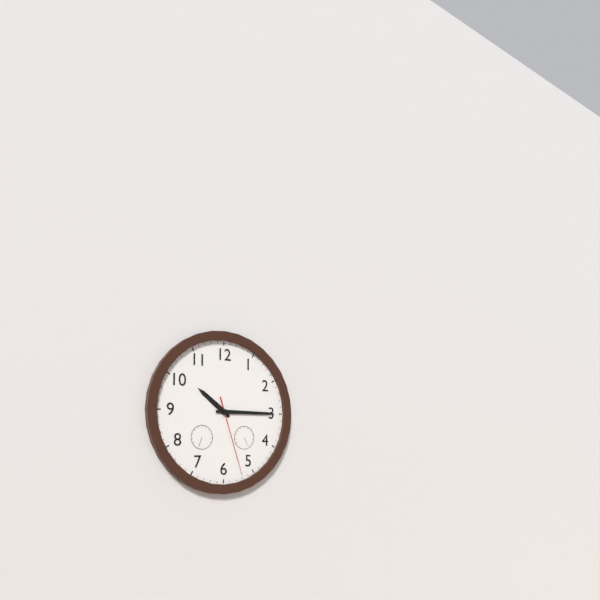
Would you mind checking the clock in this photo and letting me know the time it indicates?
10:15:27
